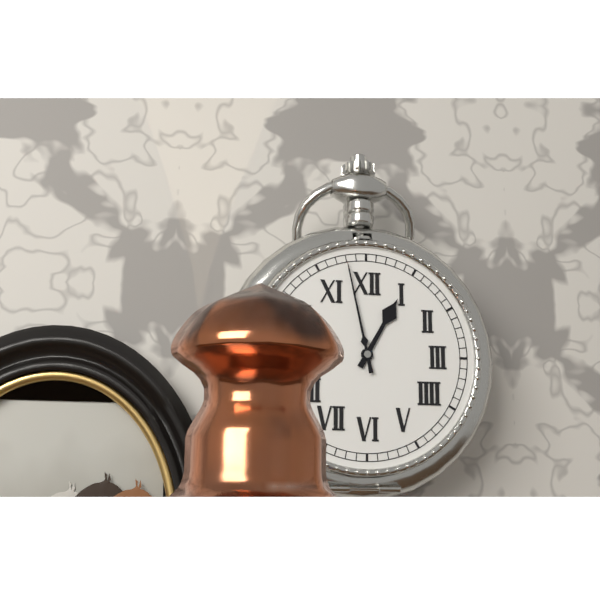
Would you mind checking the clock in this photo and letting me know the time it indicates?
12:58
